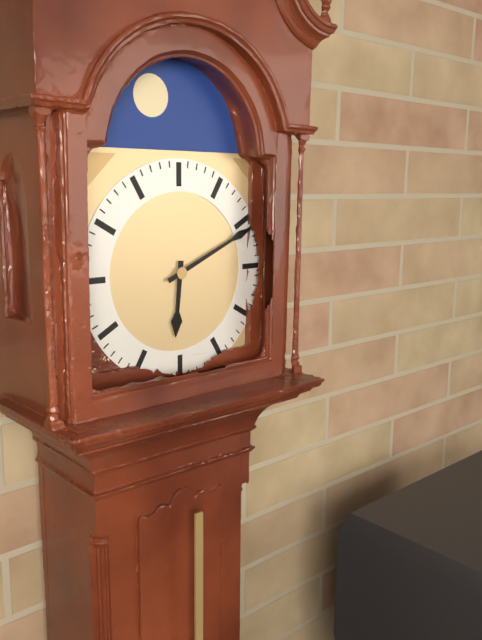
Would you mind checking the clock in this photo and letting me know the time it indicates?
6:11
